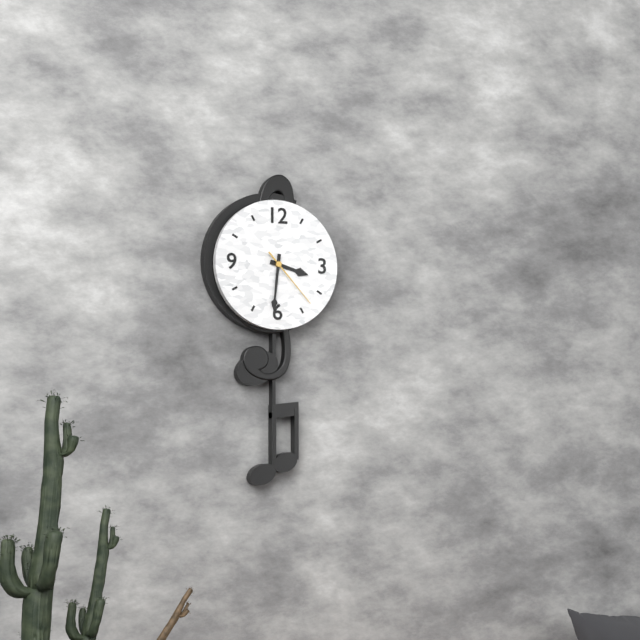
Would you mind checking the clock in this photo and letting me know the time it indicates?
3:31:23
